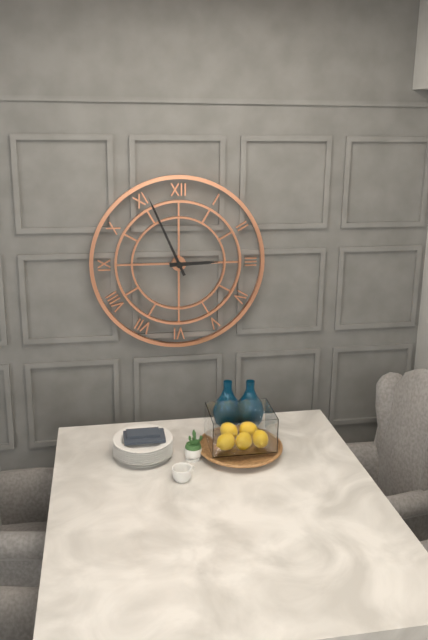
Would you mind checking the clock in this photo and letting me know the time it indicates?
2:56
